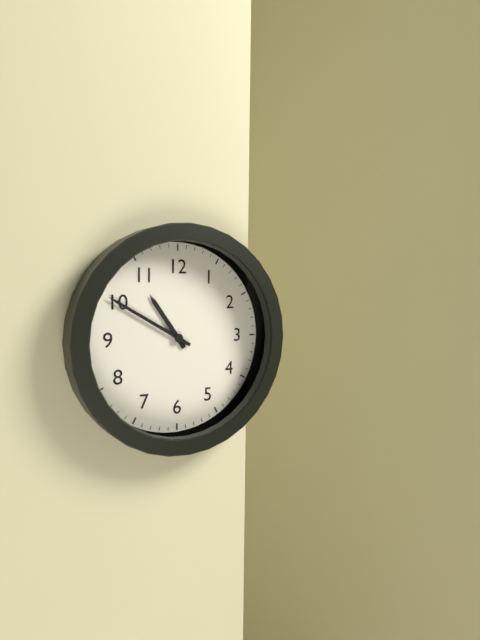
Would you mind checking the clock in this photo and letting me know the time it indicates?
10:50
